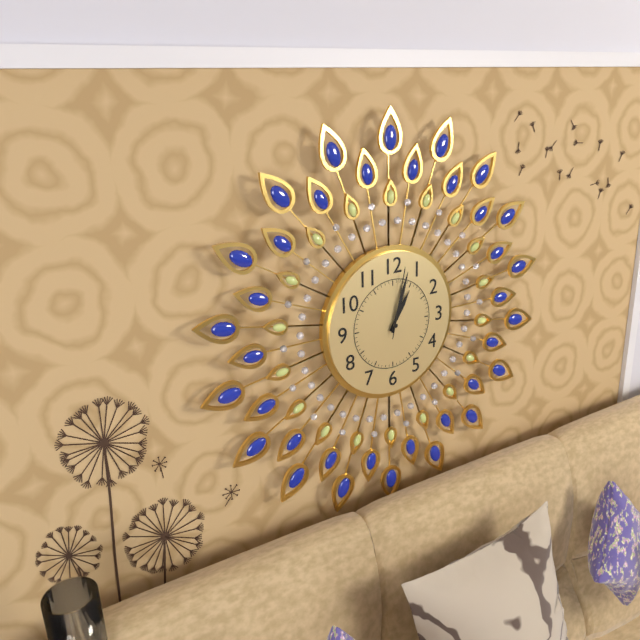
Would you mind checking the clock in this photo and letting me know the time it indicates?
1:03:02
